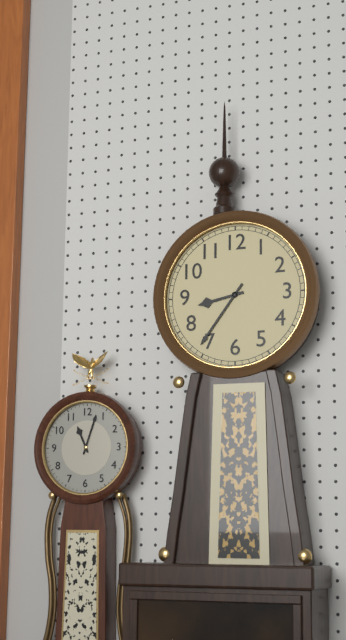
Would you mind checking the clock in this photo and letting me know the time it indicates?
8:36
